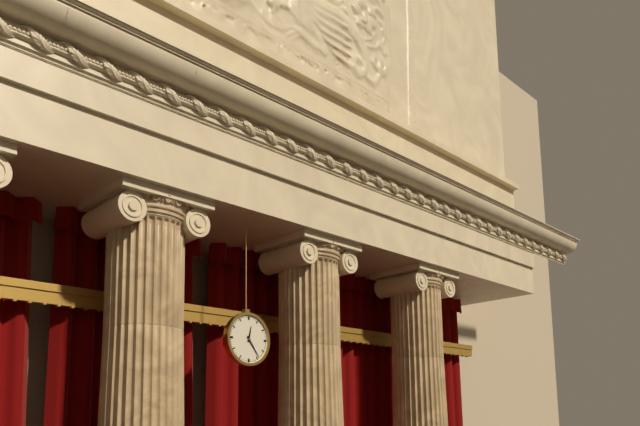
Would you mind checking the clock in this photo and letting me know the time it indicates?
12:24
